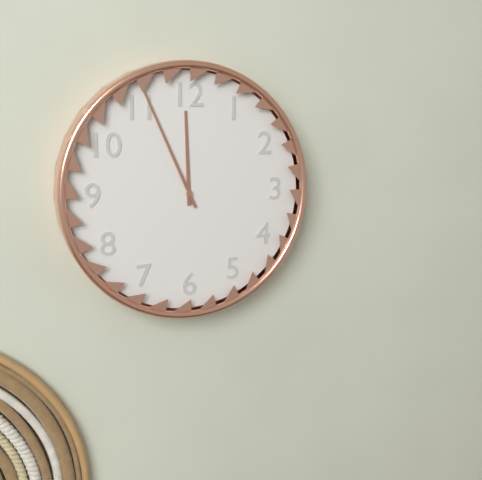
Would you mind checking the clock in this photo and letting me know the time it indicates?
11:56
